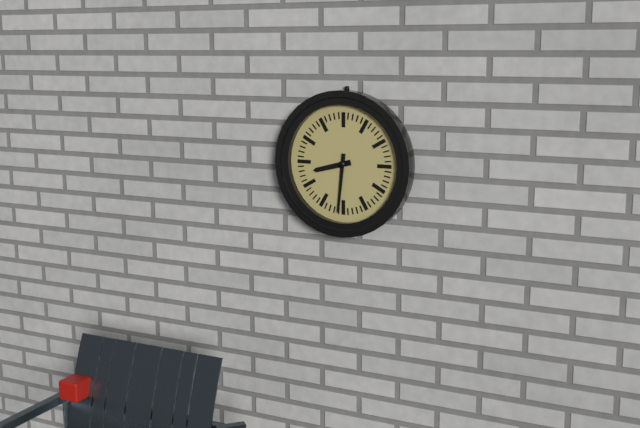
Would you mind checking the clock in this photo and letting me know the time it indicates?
8:31
